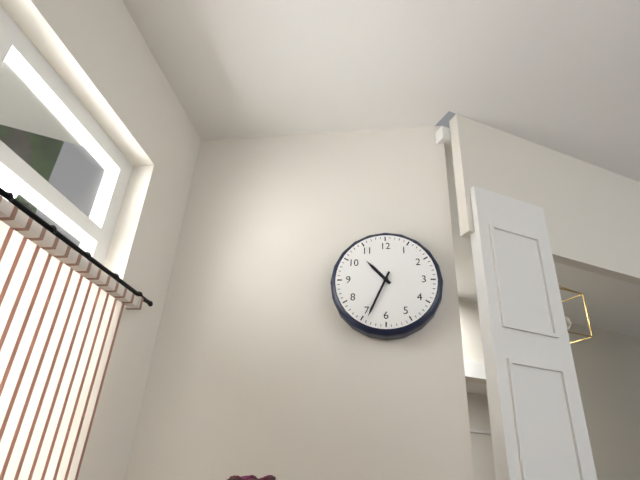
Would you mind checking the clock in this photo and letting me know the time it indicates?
10:34
